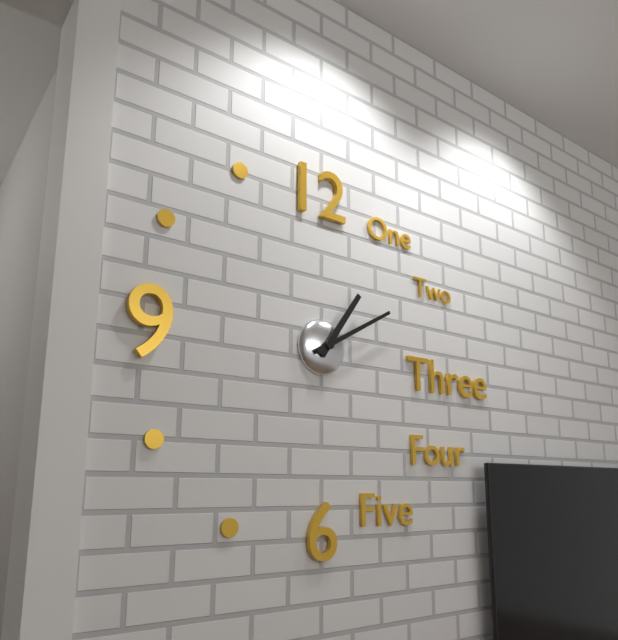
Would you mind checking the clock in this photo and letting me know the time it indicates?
1:10
